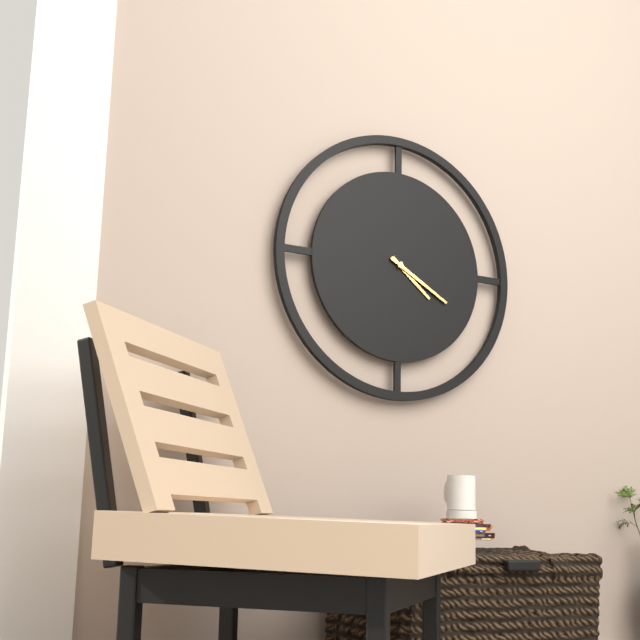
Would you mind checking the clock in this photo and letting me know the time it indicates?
4:20
